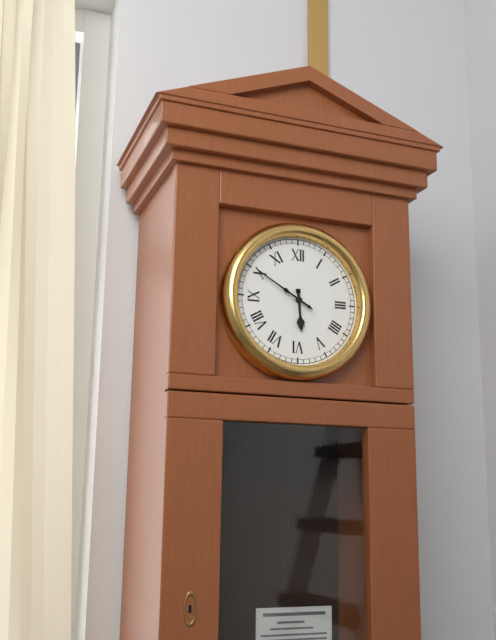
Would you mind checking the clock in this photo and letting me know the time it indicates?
5:50
